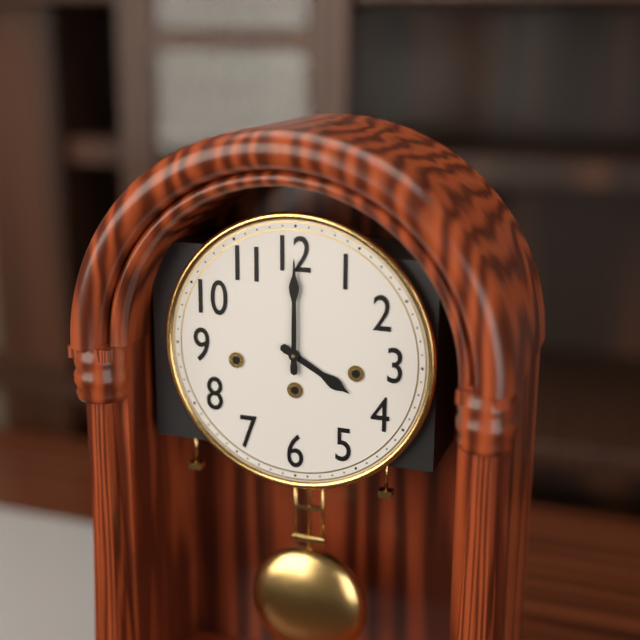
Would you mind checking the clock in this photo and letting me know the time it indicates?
4:00
